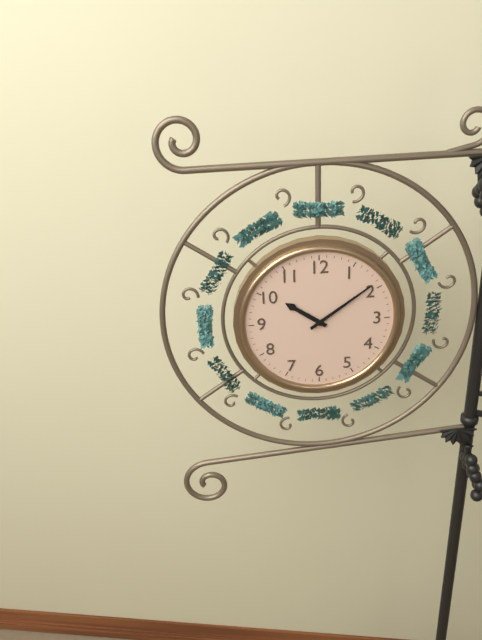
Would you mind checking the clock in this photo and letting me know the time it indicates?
10:09
